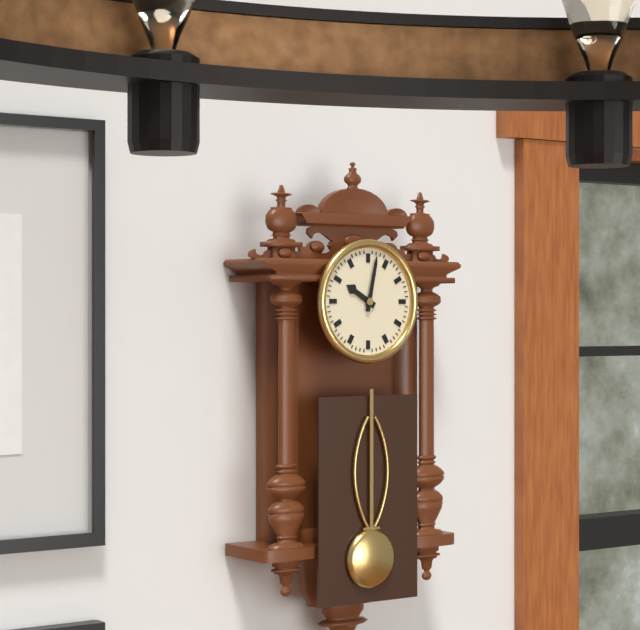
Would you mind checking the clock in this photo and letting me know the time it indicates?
10:02
